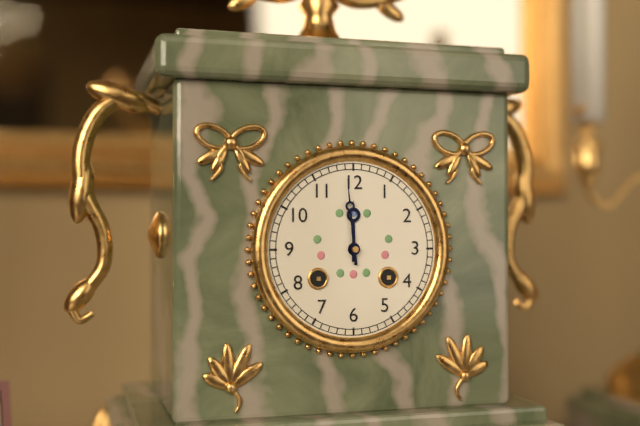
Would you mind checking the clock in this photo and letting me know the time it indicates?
11:59
